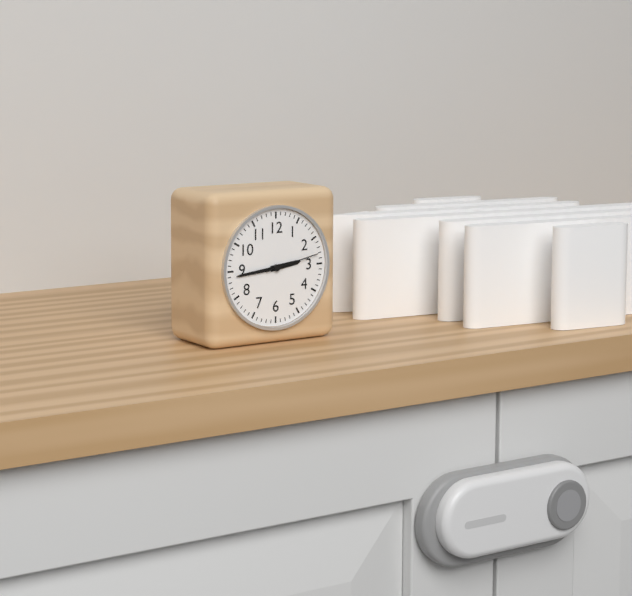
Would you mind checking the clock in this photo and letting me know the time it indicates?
2:44:13
